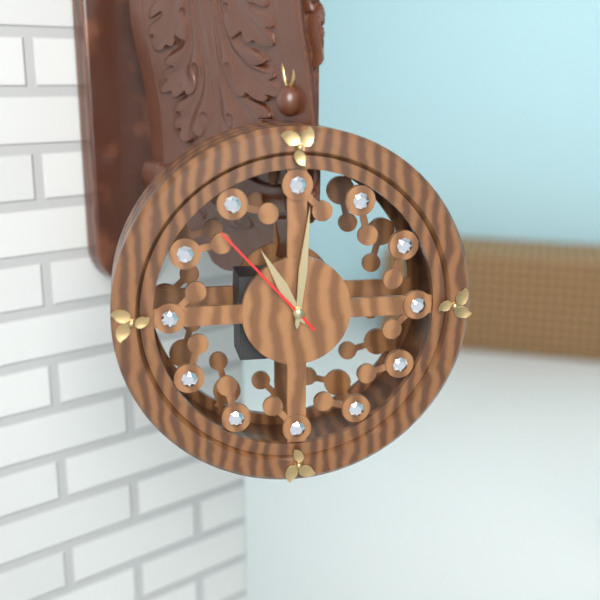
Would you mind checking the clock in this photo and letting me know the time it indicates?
11:01:53
